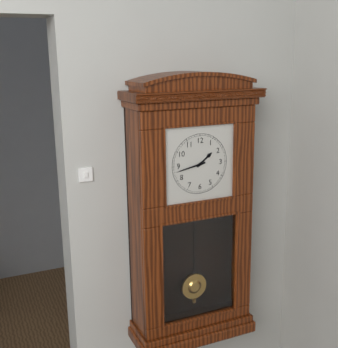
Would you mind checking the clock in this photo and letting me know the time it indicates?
1:43
